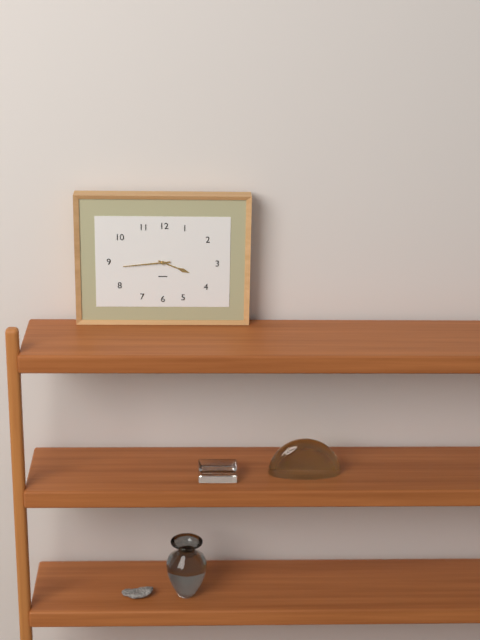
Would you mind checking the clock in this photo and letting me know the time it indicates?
3:44
